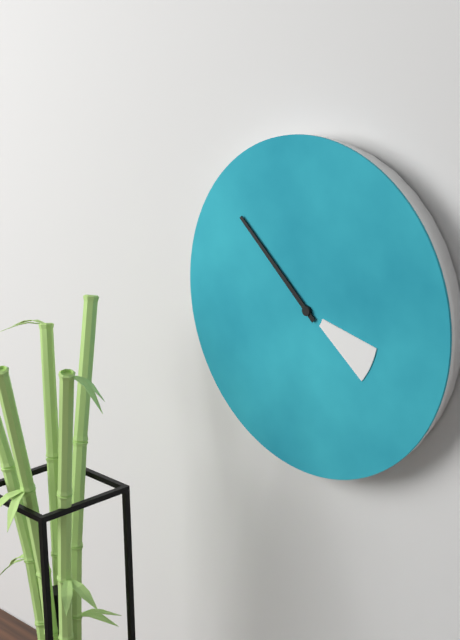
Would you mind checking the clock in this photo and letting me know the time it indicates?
3:52
